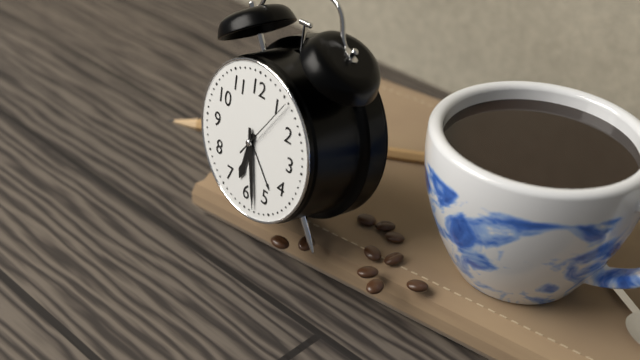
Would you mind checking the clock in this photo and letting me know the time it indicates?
6:28:06
